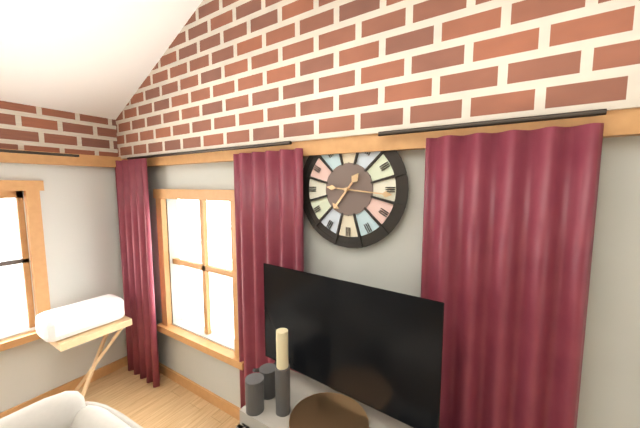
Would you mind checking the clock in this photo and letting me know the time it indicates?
7:16
